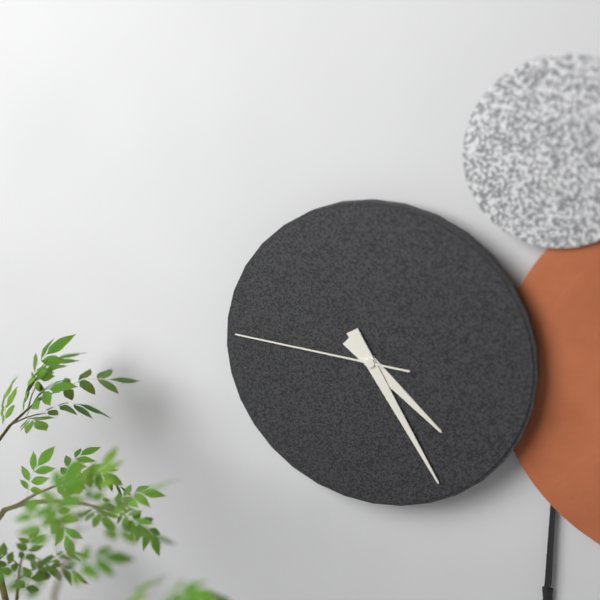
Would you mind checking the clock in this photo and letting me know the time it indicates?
4:25:46
